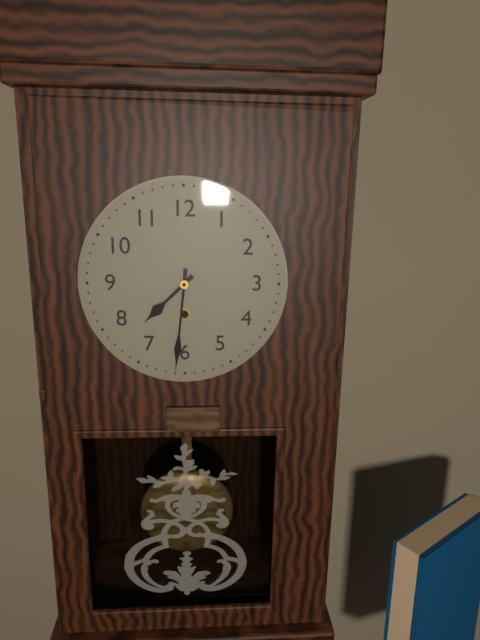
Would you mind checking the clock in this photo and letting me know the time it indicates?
7:31
